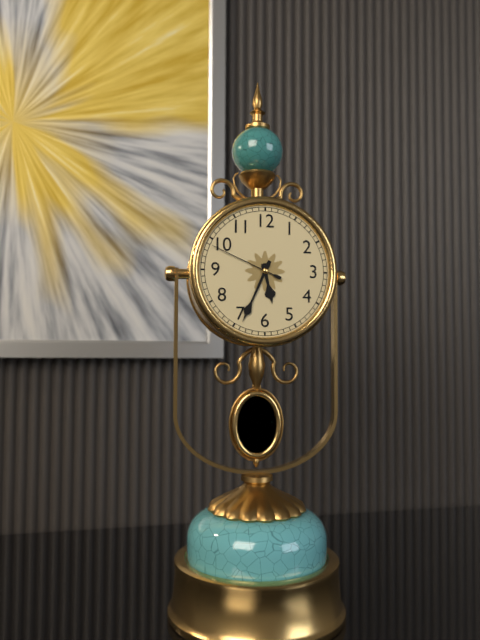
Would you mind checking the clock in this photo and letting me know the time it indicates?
5:34:49
